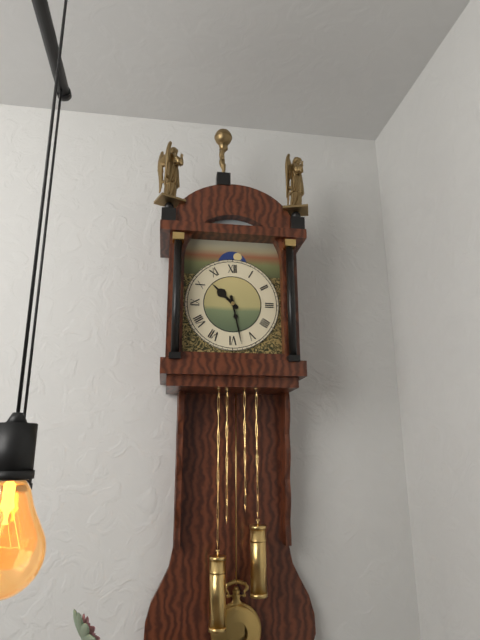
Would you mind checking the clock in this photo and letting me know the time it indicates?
10:28
